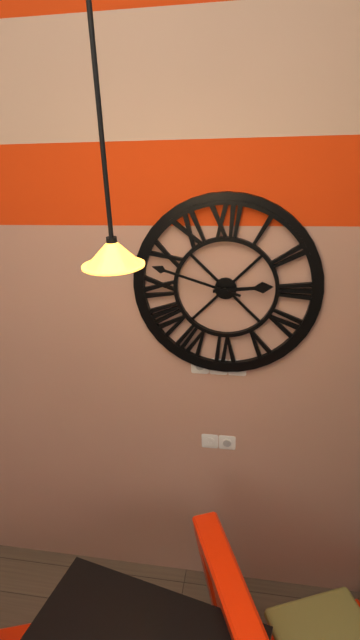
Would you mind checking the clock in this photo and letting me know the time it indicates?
2:48
